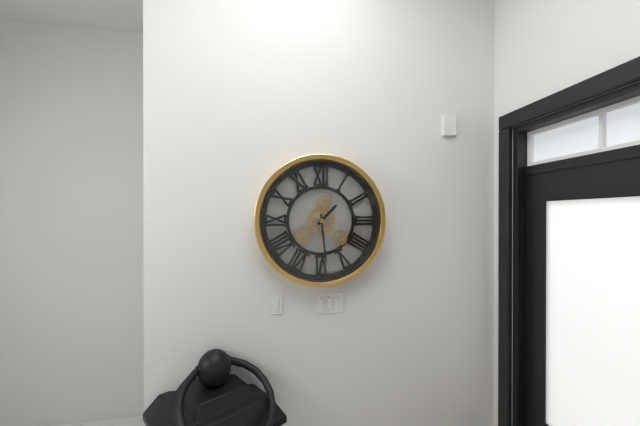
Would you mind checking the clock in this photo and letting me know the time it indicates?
1:29
